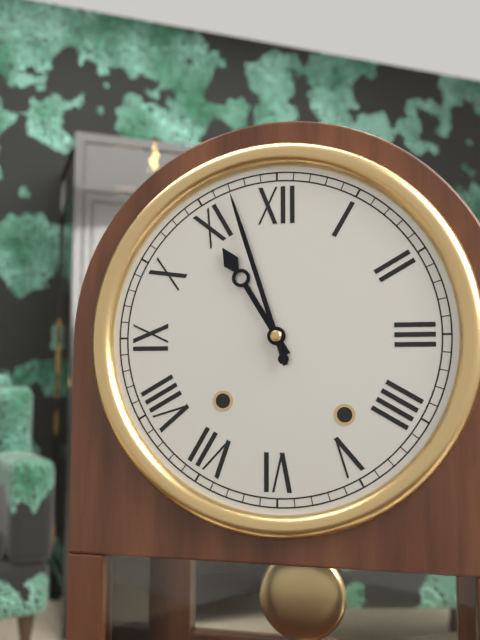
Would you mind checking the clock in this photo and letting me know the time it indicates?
10:57
